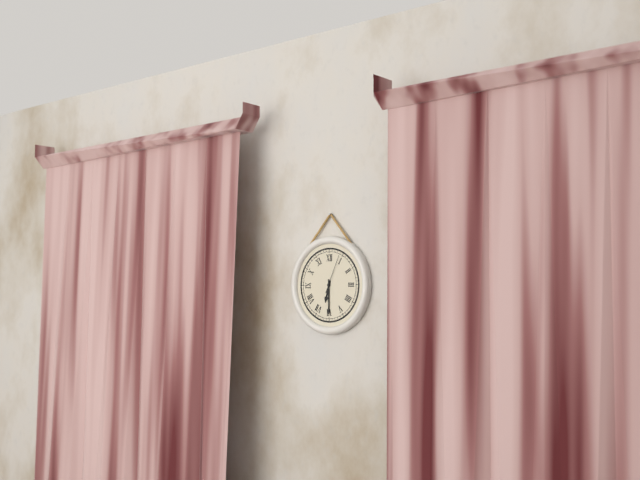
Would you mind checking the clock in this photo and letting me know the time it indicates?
6:30
